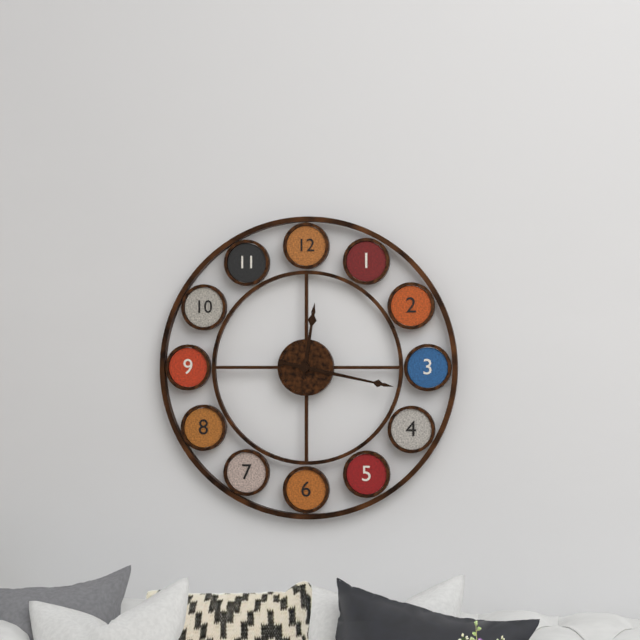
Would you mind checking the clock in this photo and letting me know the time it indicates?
12:17
